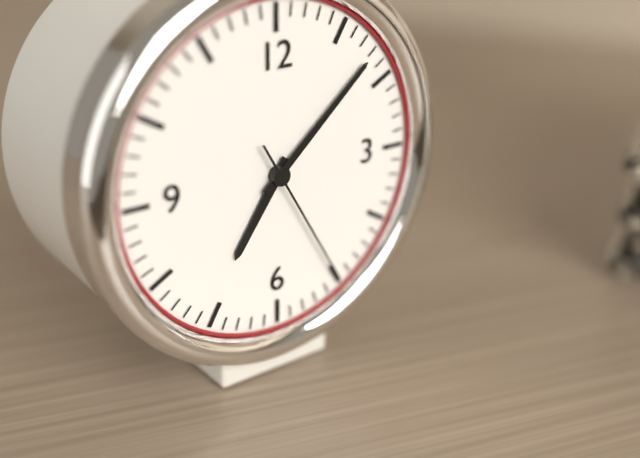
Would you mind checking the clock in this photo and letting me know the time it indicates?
7:08:25
